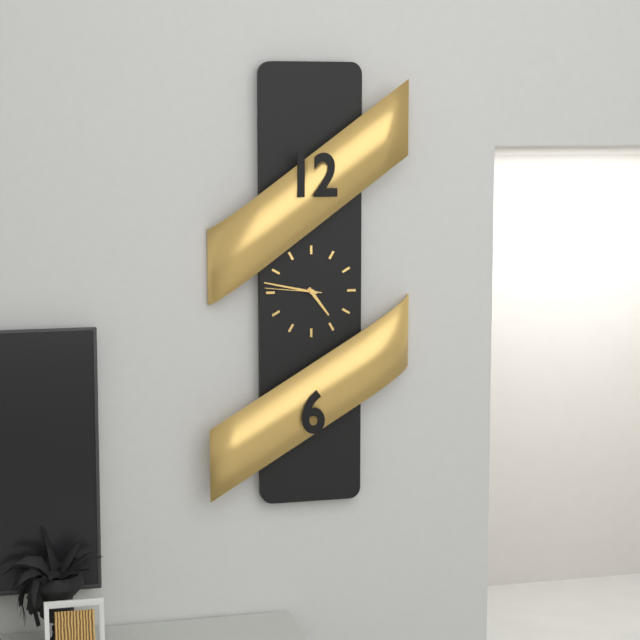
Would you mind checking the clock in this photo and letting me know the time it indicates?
4:47:46
